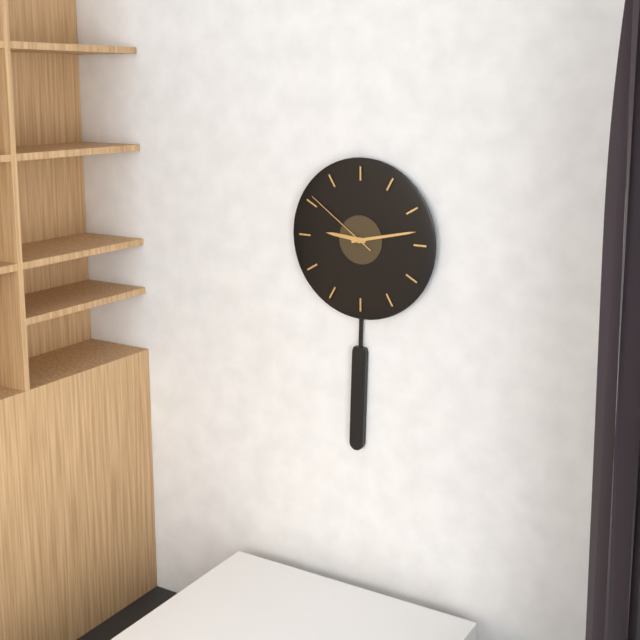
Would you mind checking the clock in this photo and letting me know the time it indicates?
9:13:51
